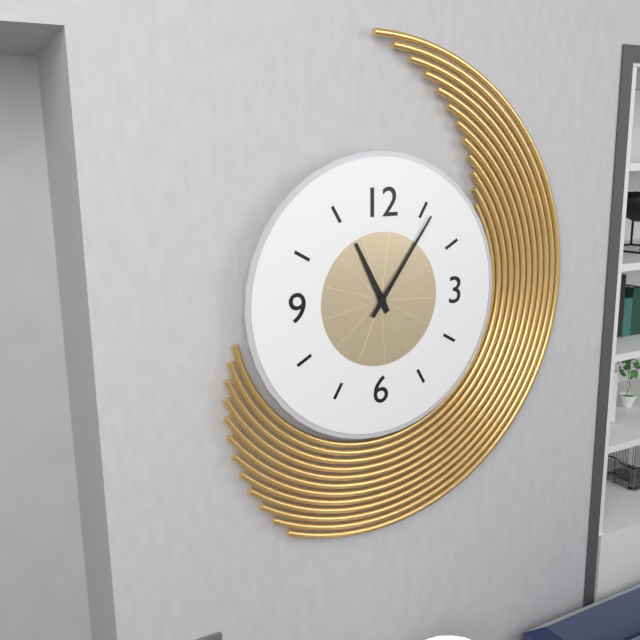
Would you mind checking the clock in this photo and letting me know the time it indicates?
11:06
